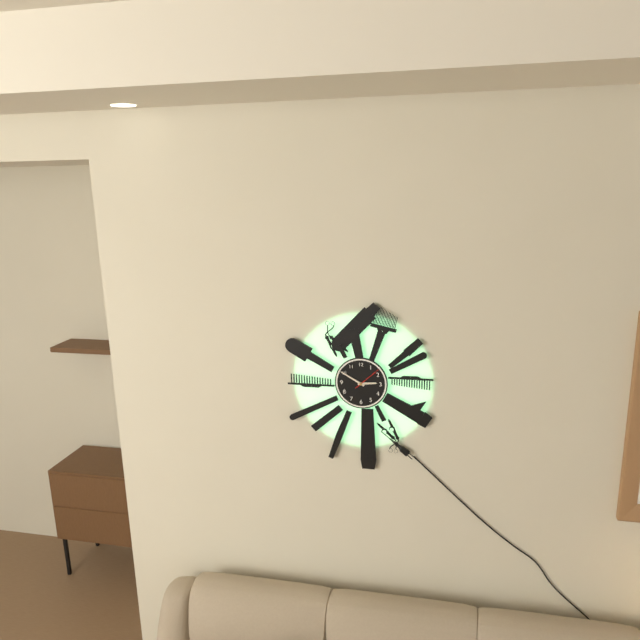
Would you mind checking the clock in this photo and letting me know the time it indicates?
2:50
